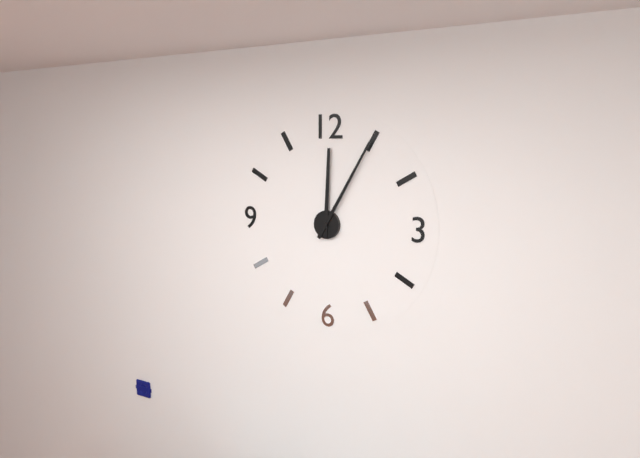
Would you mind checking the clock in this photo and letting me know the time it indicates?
12:05
